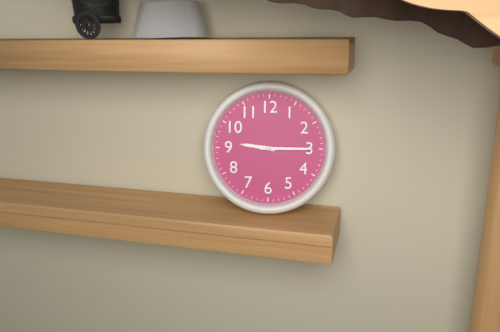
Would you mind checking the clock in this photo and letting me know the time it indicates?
9:15
